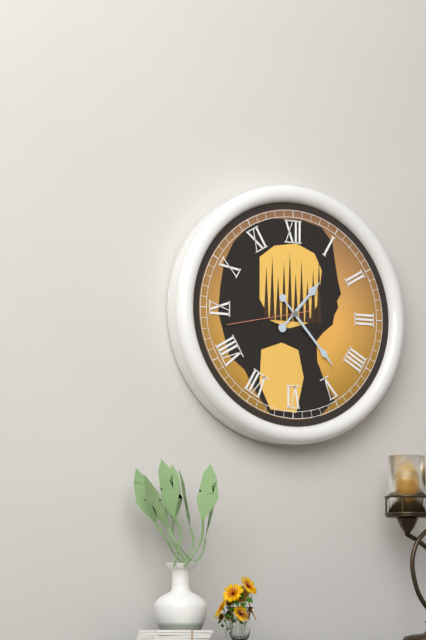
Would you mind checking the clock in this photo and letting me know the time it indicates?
1:23:43
